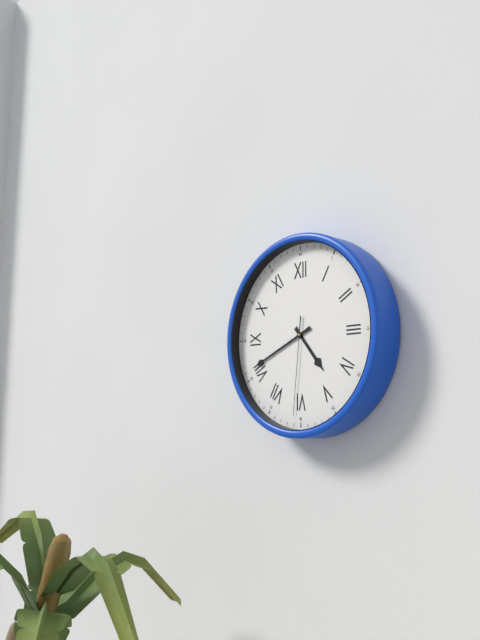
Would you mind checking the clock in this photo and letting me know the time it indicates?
4:41:31
